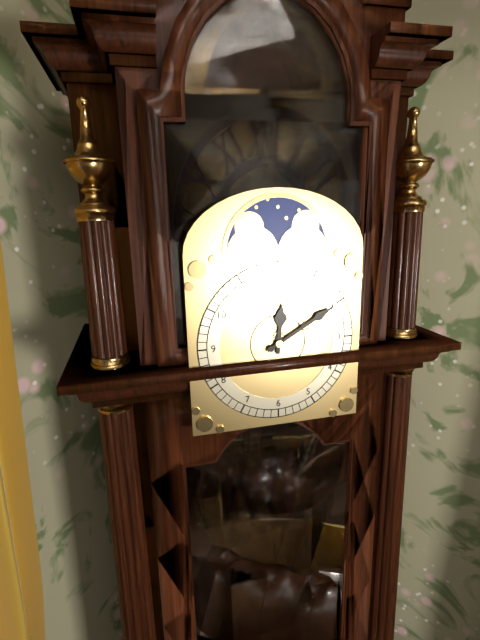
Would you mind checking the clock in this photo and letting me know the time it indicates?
12:10
